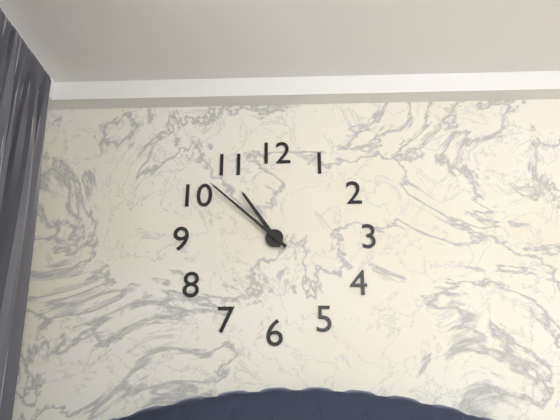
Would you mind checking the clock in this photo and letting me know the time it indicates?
10:52
